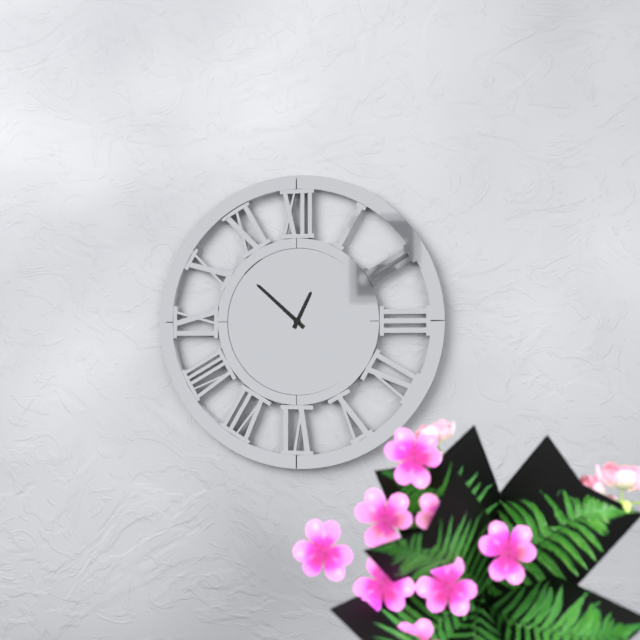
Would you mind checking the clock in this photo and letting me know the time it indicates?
12:52
